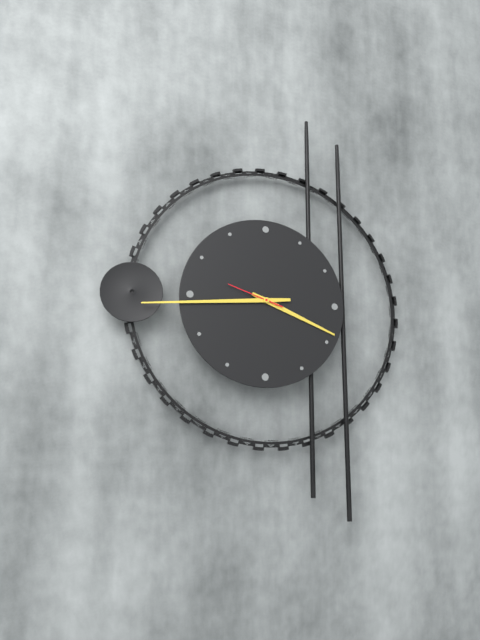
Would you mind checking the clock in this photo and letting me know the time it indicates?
3:44:48
